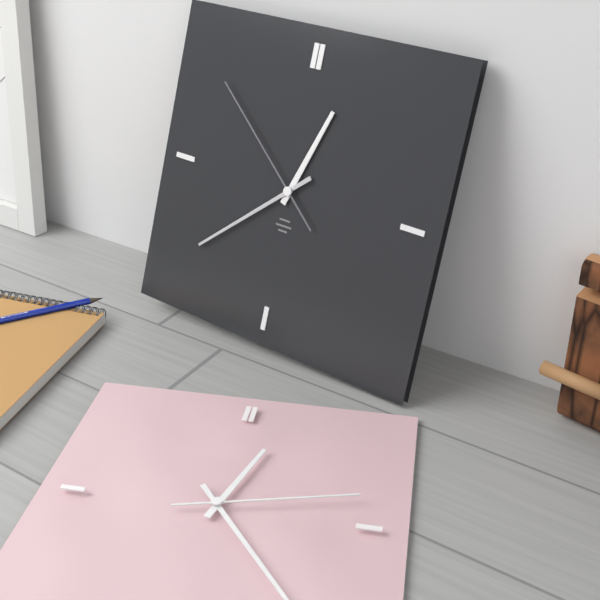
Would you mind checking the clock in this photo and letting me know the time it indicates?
12:38:52
